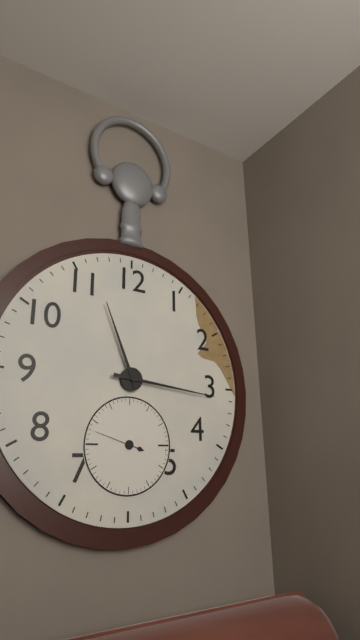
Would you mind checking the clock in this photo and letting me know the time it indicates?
11:16
